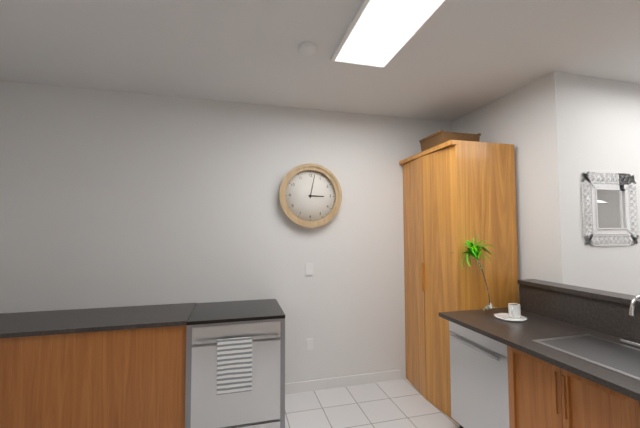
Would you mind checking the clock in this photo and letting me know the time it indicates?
3:02
